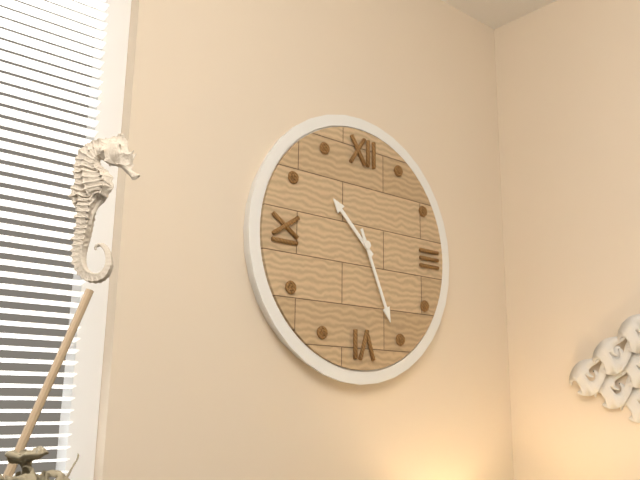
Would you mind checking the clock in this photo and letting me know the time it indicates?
10:26
